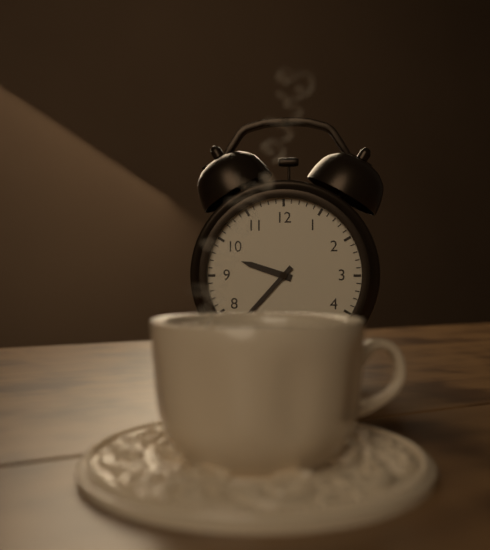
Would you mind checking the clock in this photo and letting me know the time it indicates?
9:37
